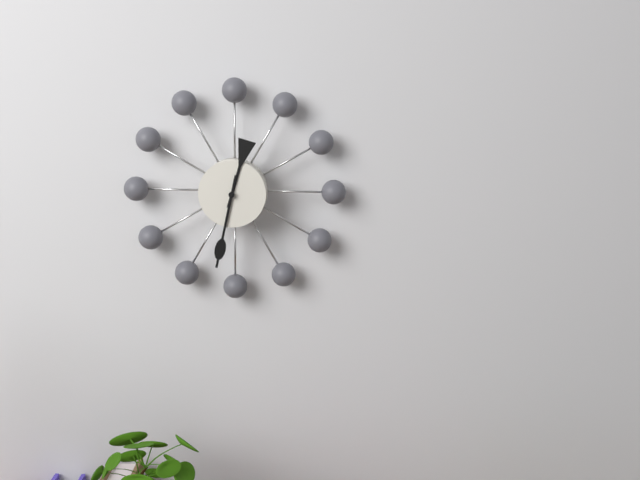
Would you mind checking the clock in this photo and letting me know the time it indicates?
12:32
